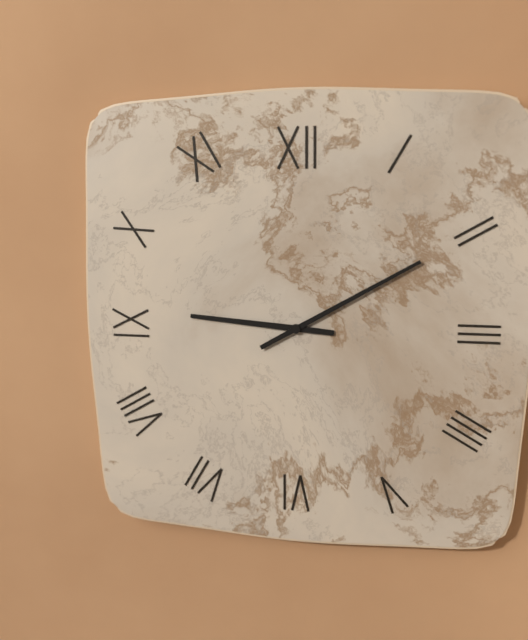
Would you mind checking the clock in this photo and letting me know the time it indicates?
9:10
